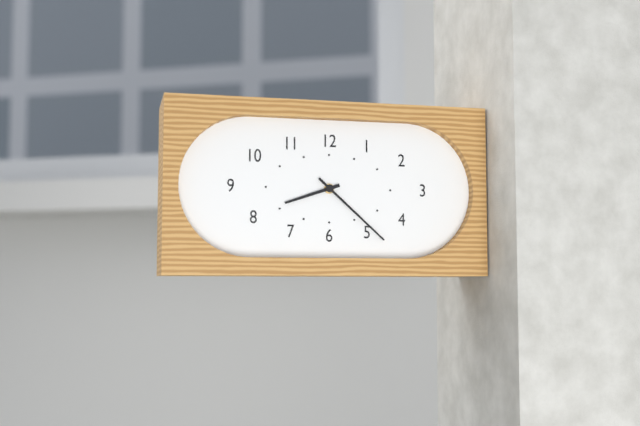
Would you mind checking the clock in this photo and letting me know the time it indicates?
8:22
